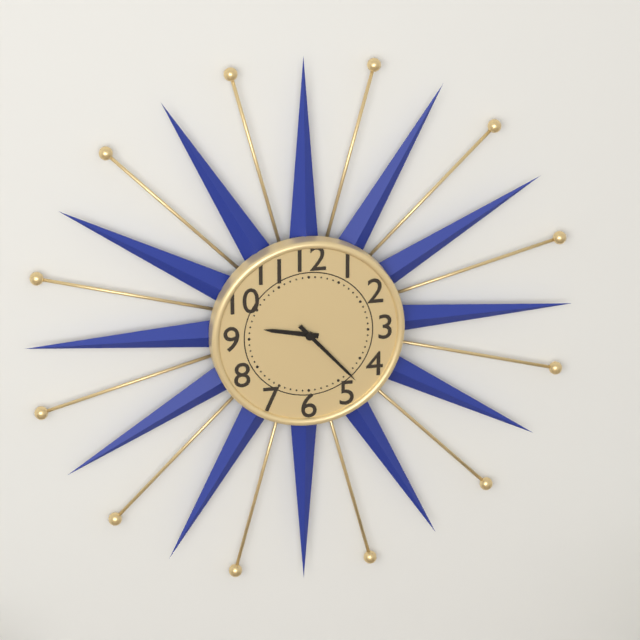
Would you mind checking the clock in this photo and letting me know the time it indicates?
9:23
